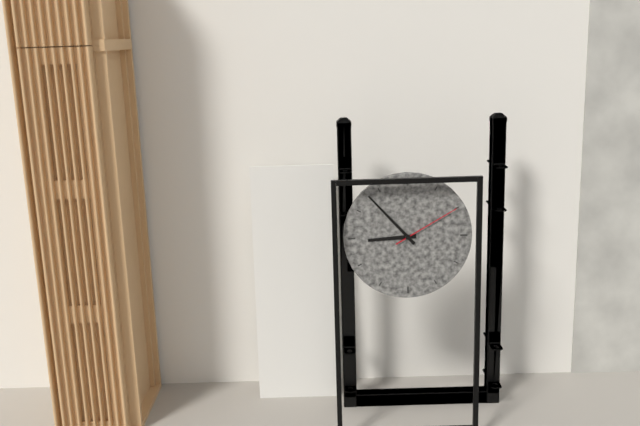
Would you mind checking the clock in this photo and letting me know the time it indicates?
8:53:10
